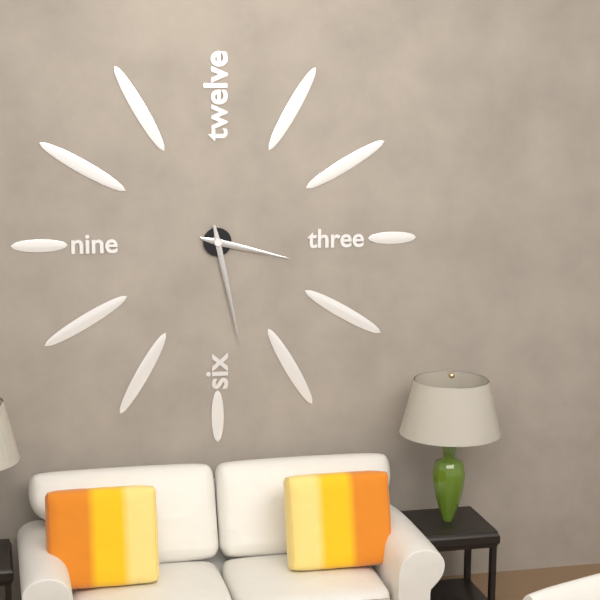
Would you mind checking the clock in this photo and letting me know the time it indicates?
3:28
